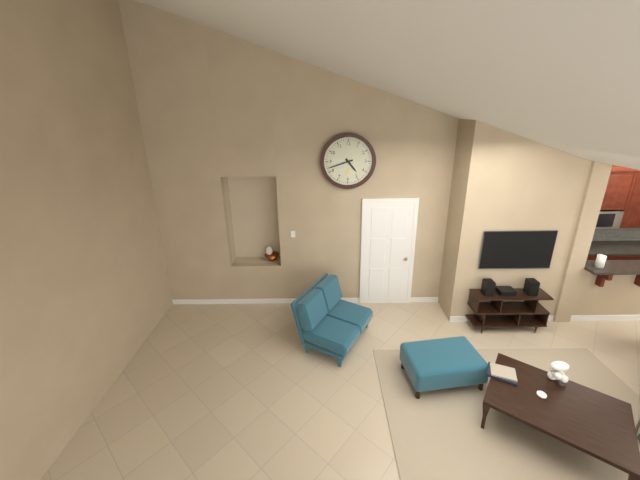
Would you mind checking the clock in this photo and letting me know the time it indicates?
4:42
